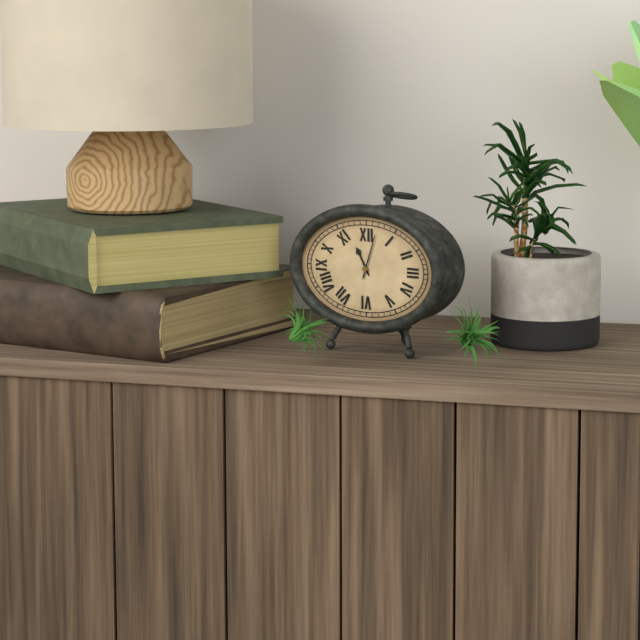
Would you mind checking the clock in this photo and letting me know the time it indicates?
11:03
